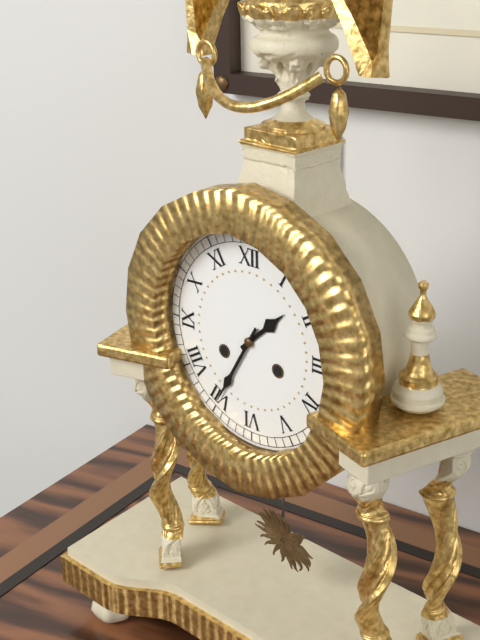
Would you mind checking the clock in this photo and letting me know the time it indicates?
1:35
